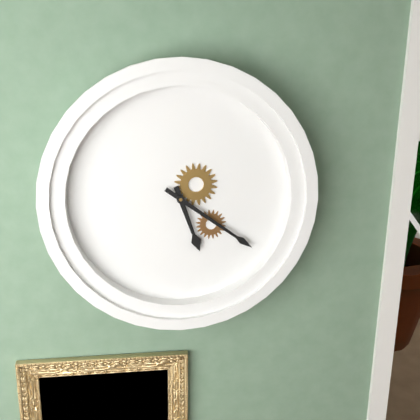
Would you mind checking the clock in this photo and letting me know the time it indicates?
5:21
